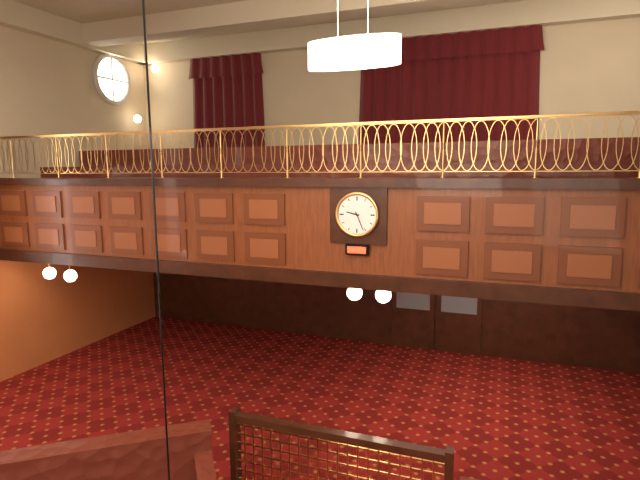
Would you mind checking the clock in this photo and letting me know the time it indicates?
9:26
